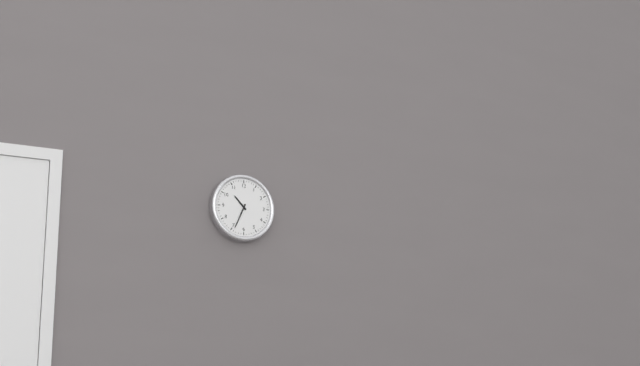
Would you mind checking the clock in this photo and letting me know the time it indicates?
10:34
